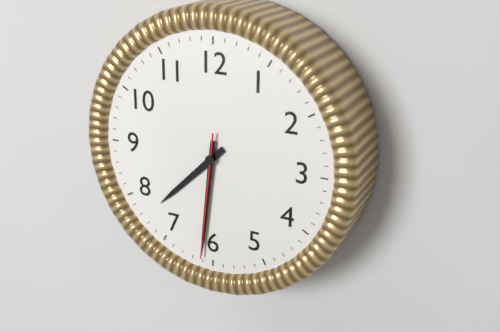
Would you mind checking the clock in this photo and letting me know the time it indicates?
7:31:31
